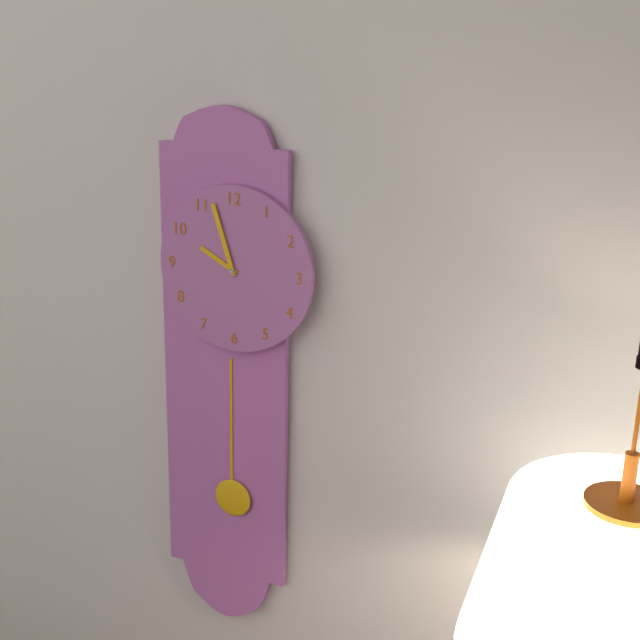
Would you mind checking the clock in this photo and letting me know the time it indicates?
9:57
